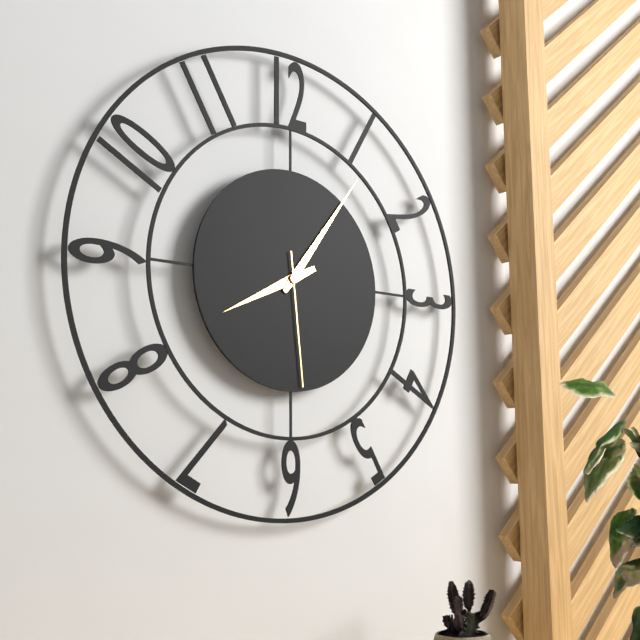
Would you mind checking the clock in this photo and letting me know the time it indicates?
8:06:29
